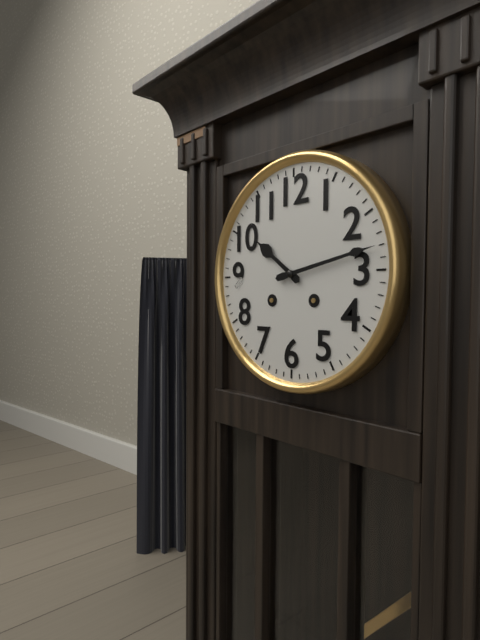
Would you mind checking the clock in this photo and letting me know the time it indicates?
10:13
